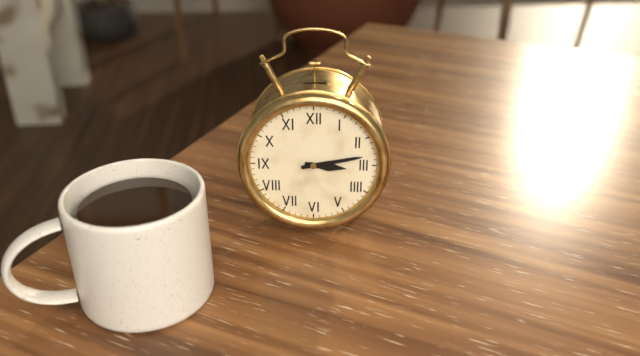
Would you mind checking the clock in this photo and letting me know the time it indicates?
3:13
